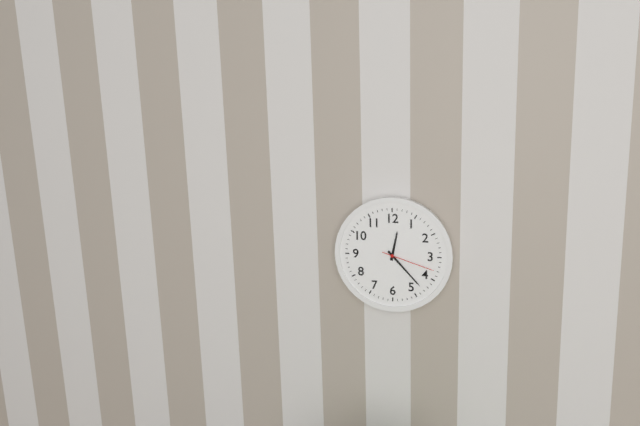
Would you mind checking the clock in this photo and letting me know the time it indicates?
12:23:18
